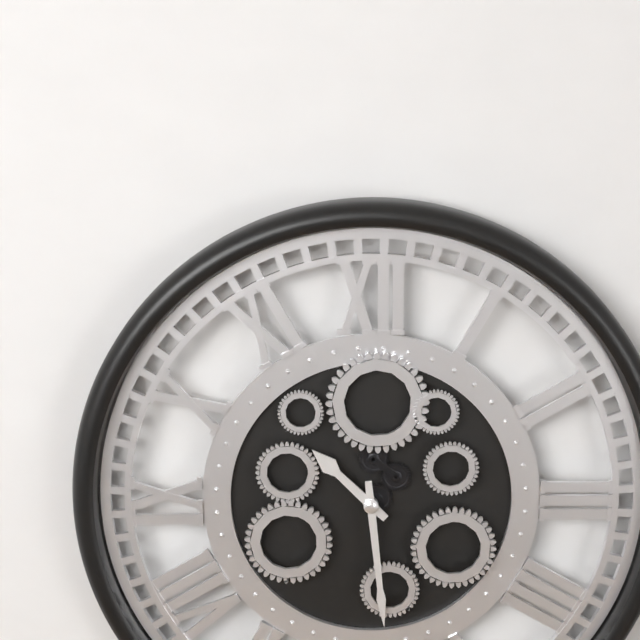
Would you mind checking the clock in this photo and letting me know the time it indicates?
10:29
